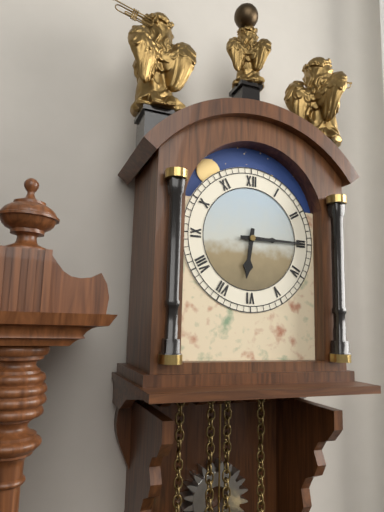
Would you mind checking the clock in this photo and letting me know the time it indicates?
6:15
